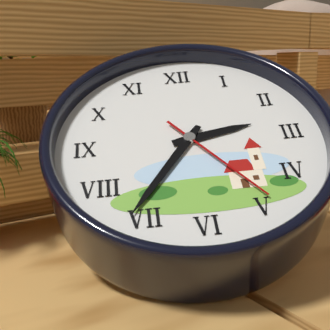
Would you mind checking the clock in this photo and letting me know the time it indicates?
2:36:24
